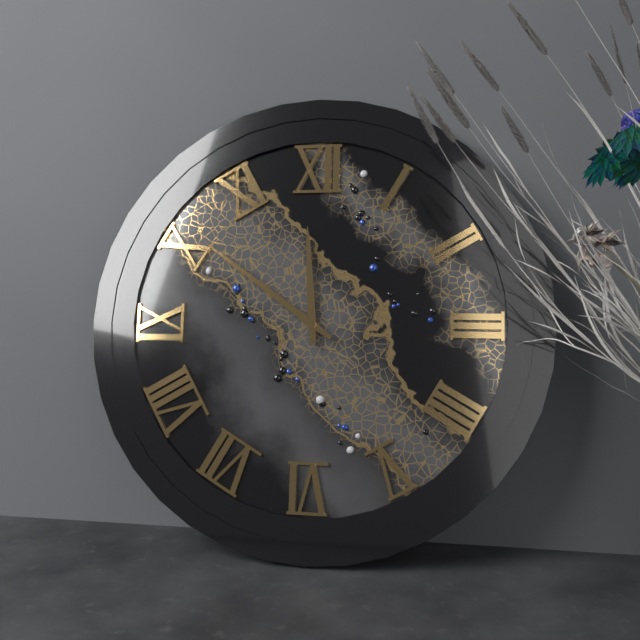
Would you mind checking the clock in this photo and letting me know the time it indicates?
11:51
